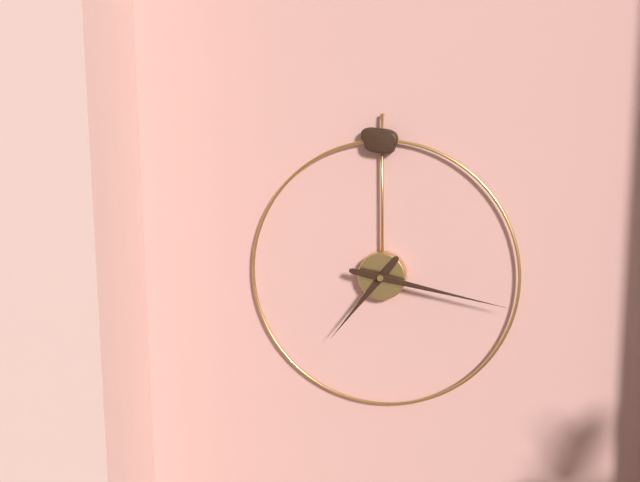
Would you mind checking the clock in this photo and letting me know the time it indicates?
7:17
